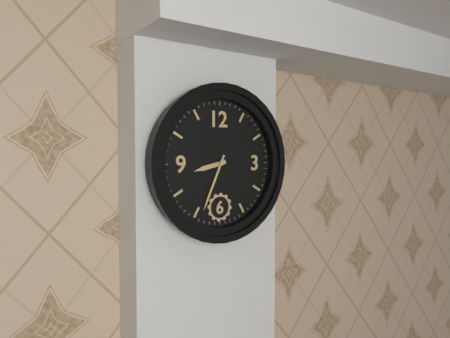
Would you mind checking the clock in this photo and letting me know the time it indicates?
8:34
